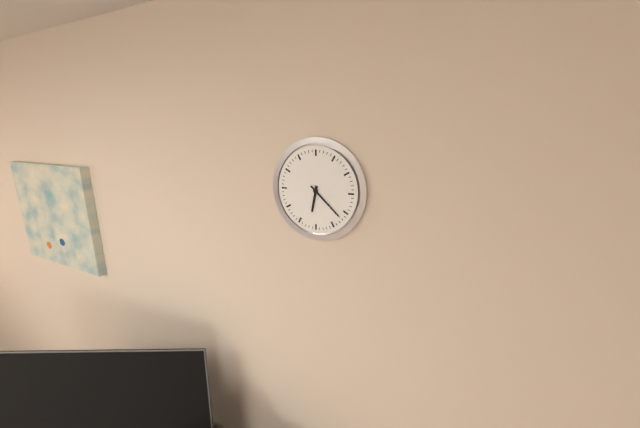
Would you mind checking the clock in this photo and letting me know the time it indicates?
6:22
